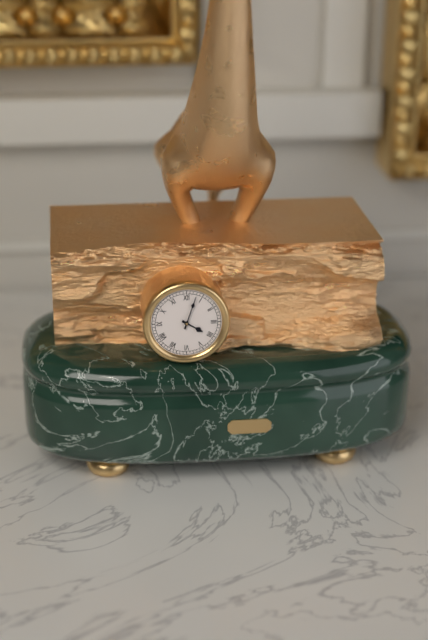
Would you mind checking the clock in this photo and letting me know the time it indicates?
4:03
